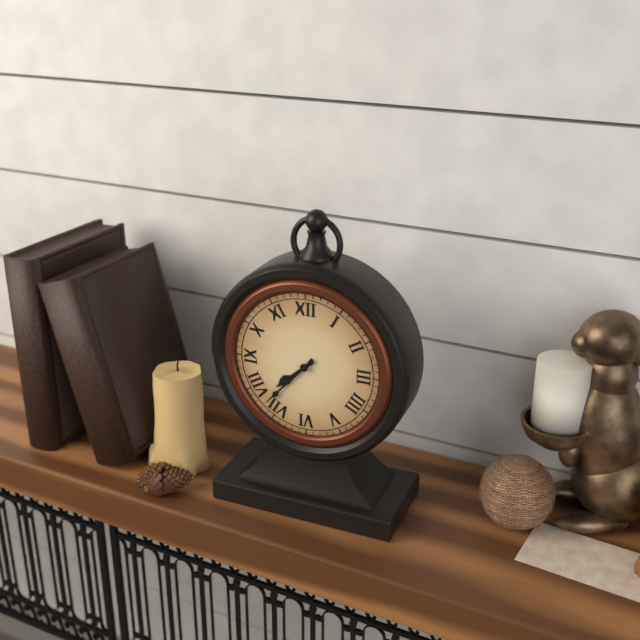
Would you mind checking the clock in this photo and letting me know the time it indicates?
7:37
